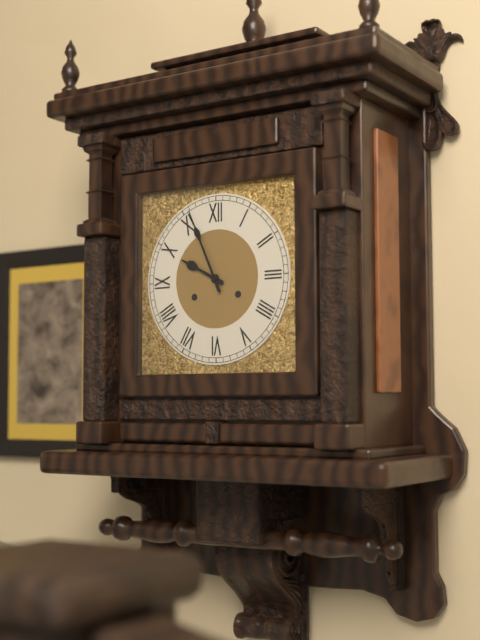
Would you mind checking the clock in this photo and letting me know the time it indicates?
9:56
